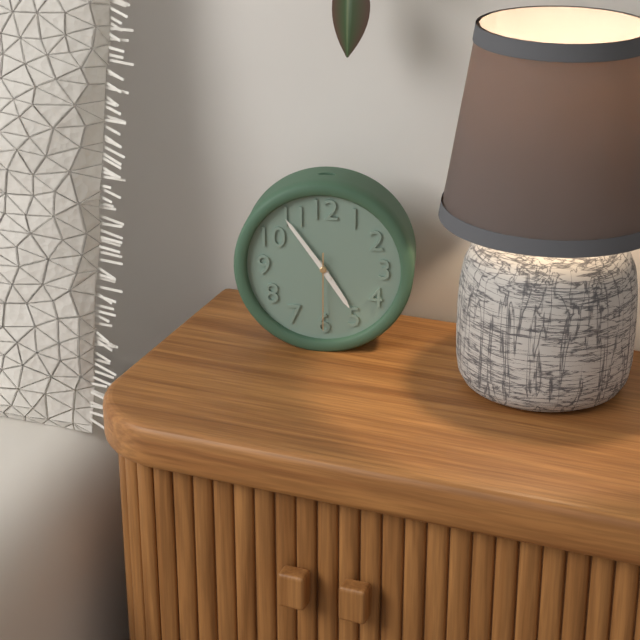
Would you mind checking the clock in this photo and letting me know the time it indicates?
4:54:30
